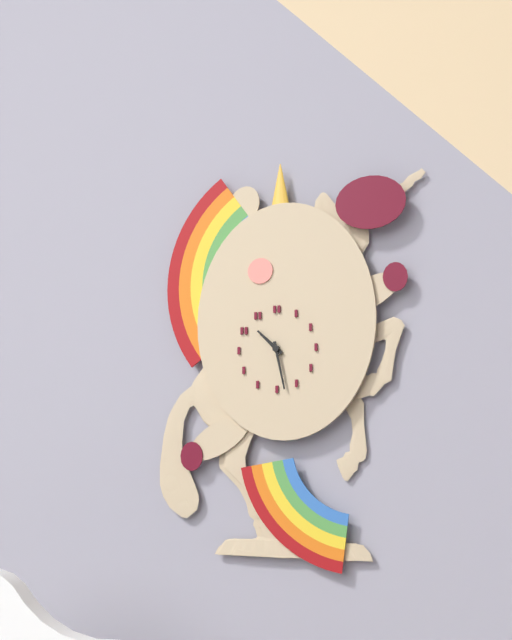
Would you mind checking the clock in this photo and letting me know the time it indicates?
10:28
